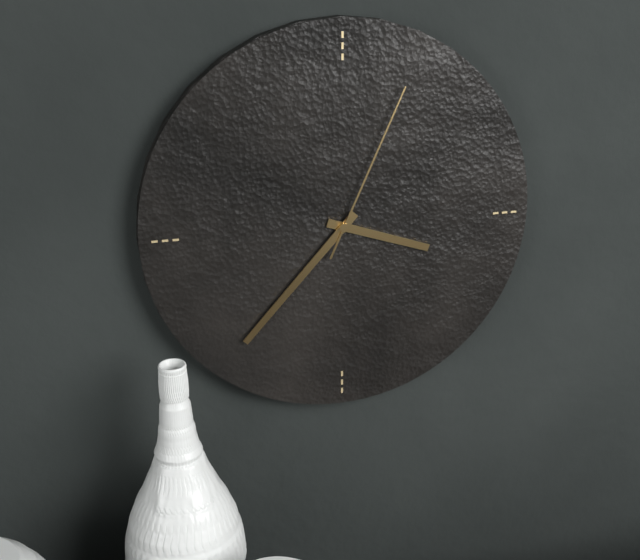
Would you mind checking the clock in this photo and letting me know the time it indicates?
3:37:04
